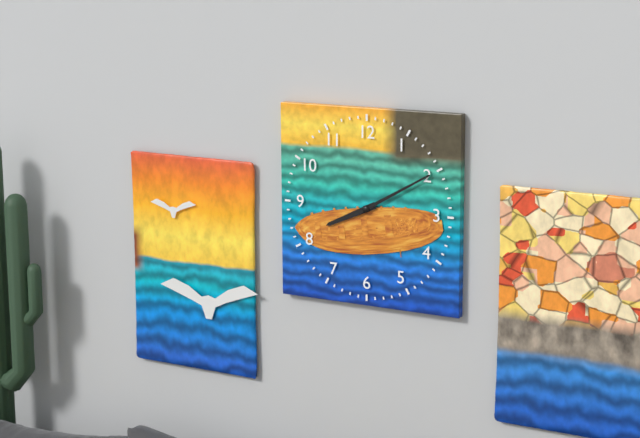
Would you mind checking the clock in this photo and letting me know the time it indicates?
8:10
